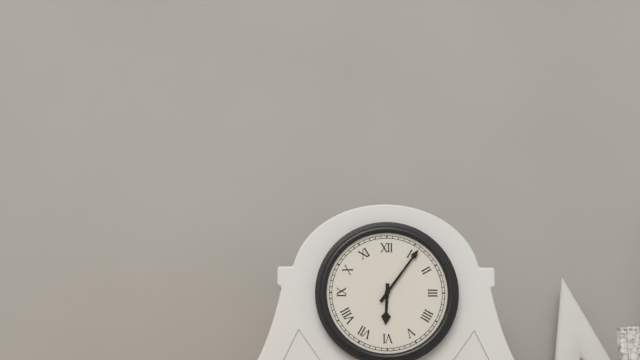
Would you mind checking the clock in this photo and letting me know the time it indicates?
6:06
